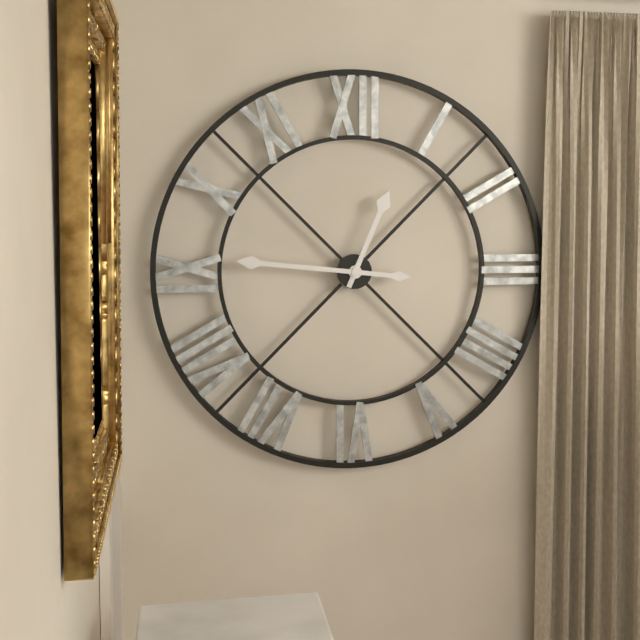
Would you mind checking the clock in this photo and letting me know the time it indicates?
12:46
